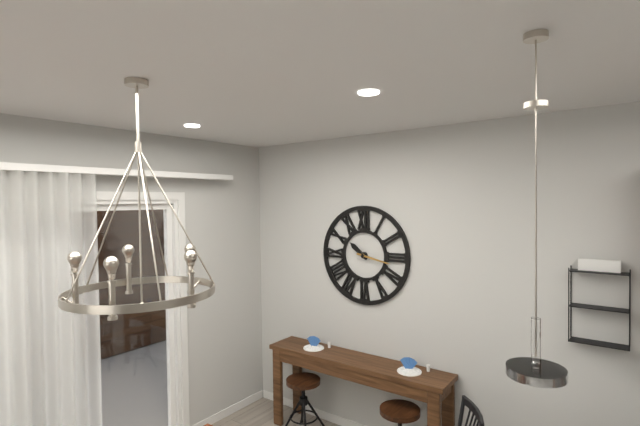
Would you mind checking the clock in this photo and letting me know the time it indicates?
10:17
